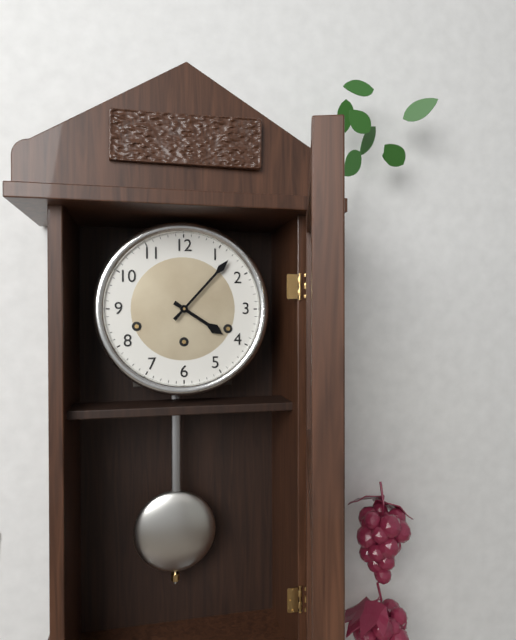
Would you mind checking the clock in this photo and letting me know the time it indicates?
4:07
